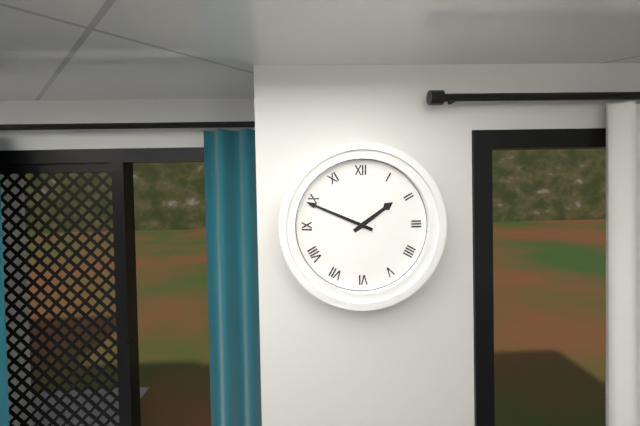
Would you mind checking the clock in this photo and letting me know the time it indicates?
1:49
